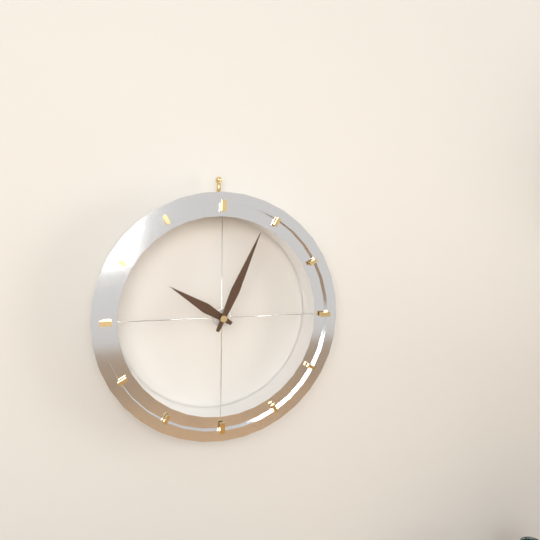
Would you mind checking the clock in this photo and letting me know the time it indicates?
10:04
